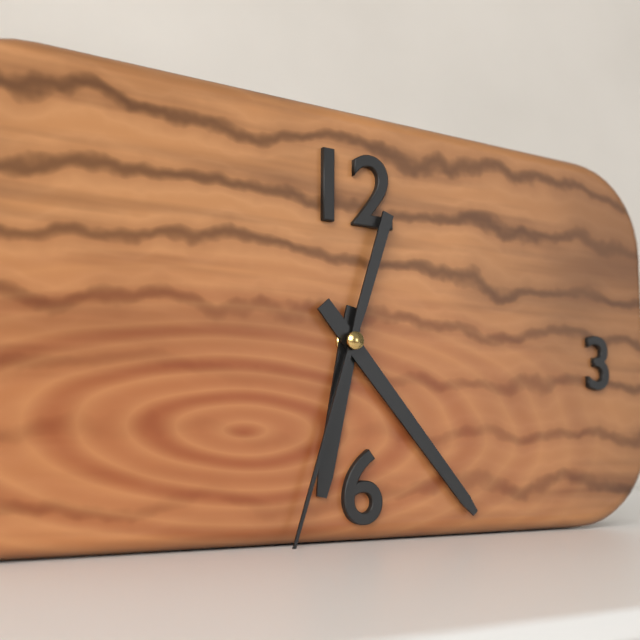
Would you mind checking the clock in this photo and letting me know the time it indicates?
6:23:33
